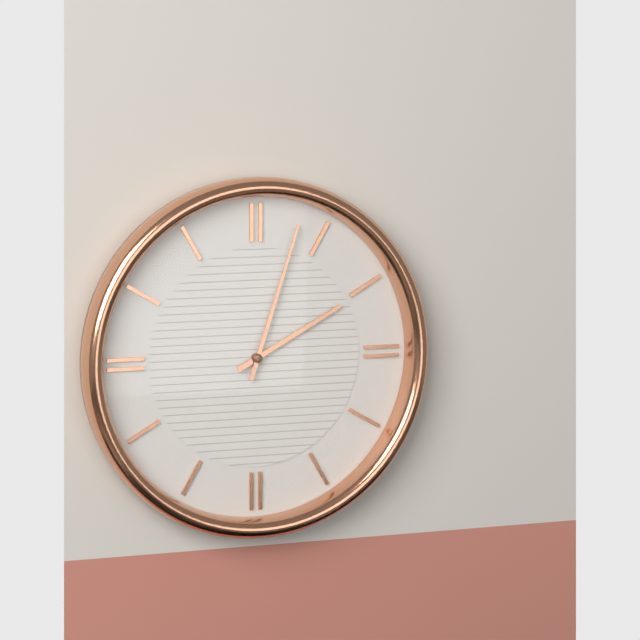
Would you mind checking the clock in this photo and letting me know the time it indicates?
2:03
